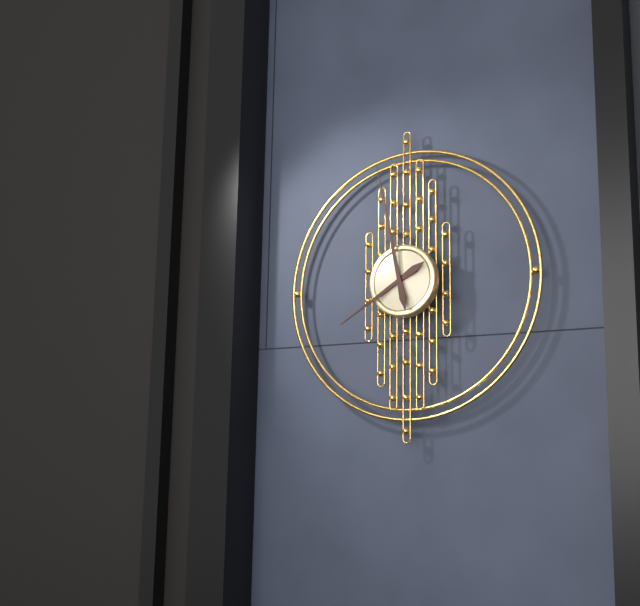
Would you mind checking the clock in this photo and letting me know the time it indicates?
7:58
